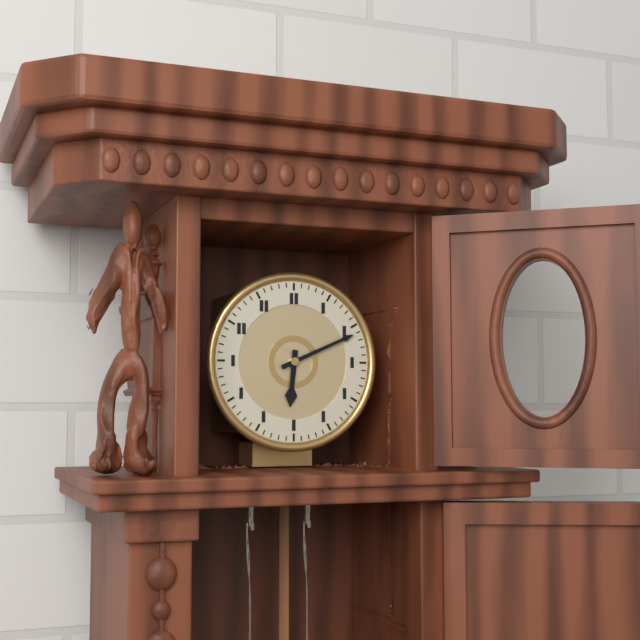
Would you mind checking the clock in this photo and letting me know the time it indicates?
6:11
